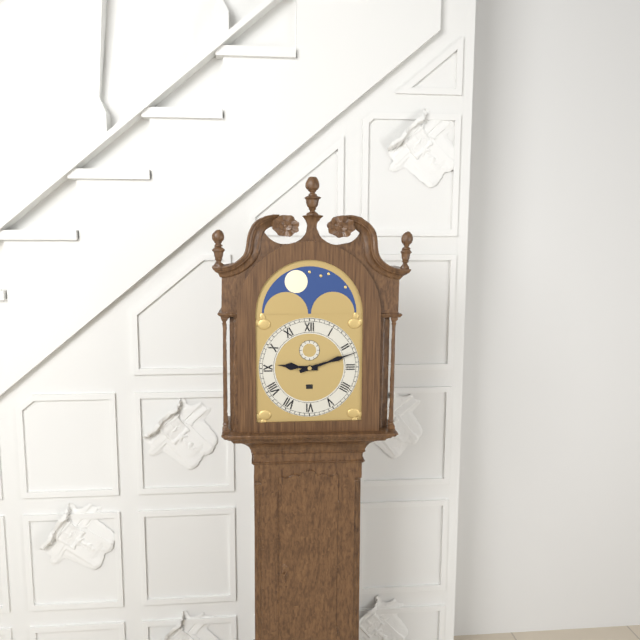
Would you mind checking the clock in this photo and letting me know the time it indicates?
9:12
